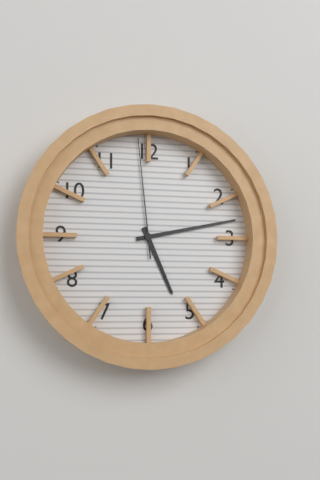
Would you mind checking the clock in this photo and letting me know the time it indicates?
5:13:59
